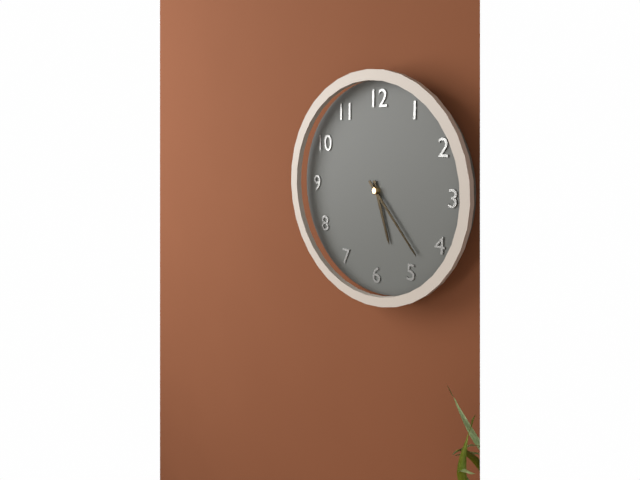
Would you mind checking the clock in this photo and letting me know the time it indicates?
5:23
